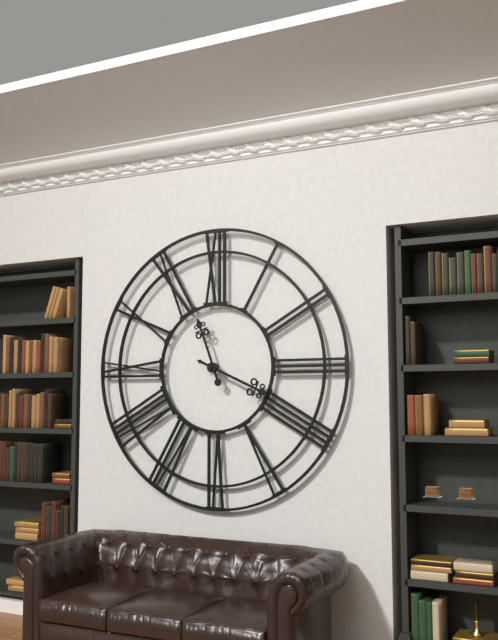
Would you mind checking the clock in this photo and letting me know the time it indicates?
11:19
